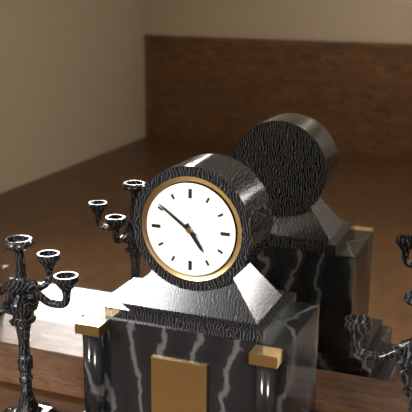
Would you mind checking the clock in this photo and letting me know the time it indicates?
4:51
